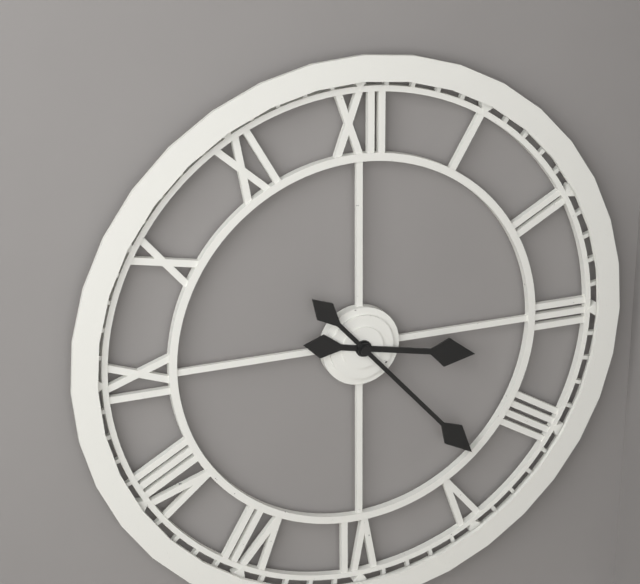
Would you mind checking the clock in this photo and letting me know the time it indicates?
3:23
